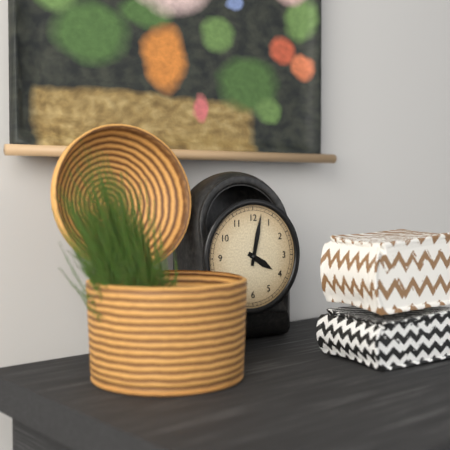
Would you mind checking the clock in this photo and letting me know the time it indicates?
4:02
